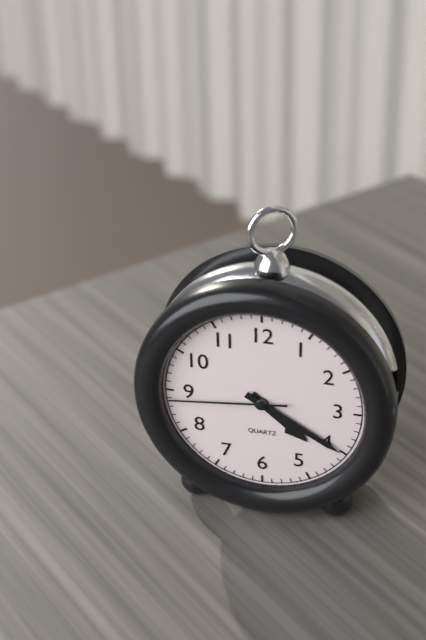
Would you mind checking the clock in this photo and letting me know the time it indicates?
4:20:44
